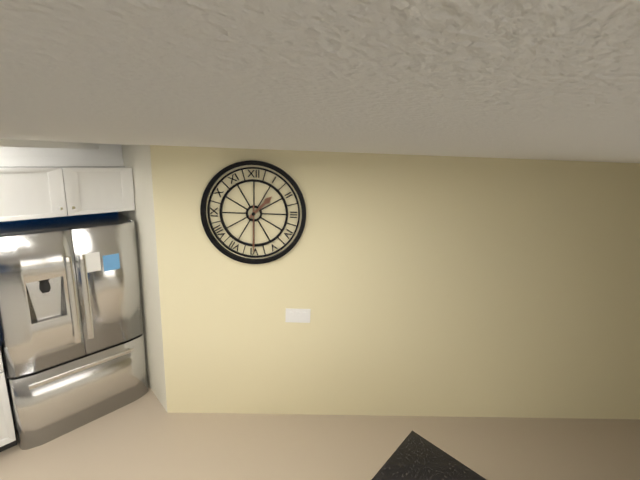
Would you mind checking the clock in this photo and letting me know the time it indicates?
1:30
